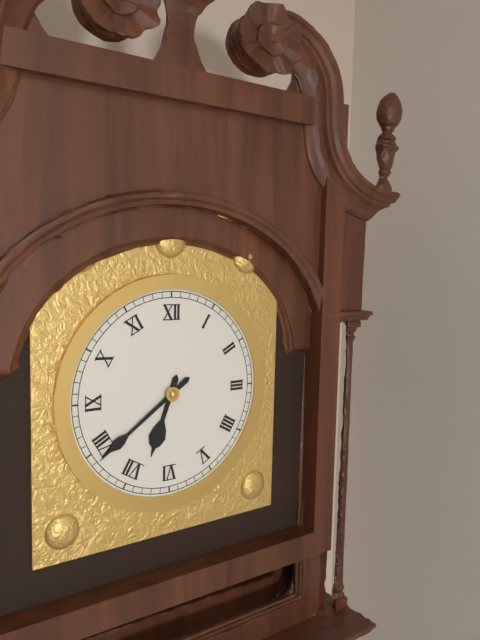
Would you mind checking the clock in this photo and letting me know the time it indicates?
6:39
